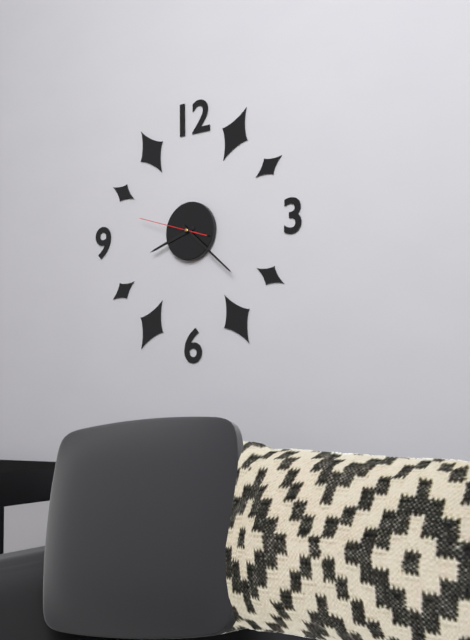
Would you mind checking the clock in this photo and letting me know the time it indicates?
8:22:48
